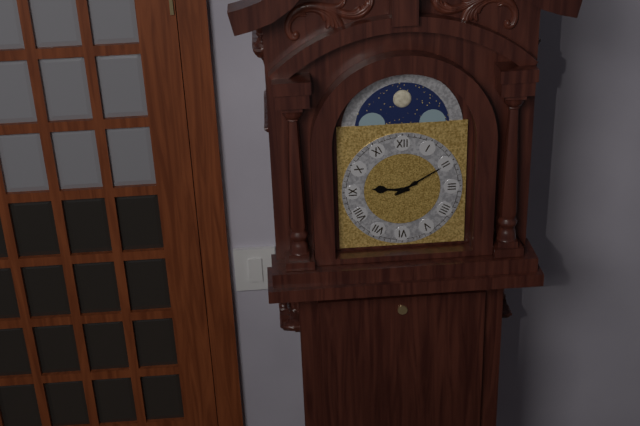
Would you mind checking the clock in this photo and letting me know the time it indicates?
9:10
